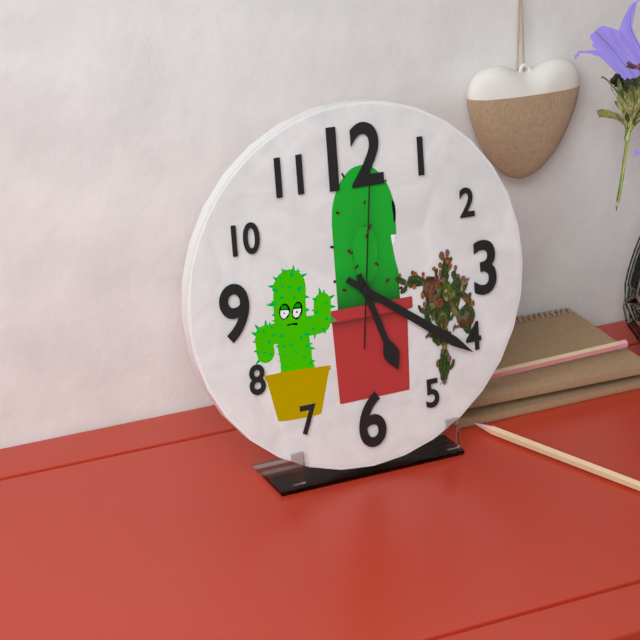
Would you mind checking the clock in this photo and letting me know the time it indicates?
5:21:01
